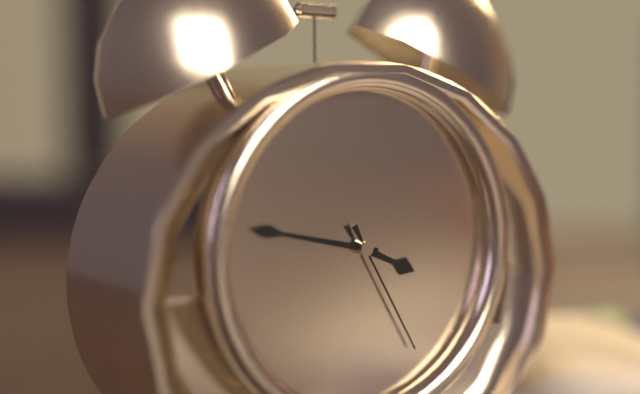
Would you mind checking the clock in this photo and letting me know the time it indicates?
3:47:25
